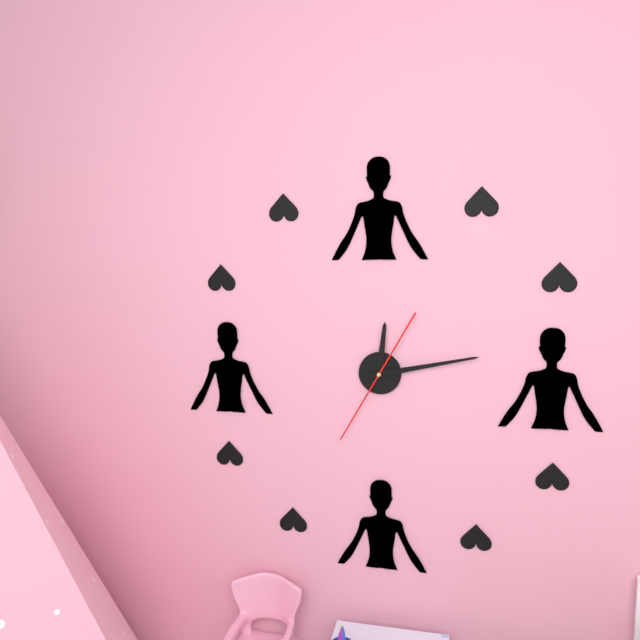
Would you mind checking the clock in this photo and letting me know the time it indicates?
12:13:35
